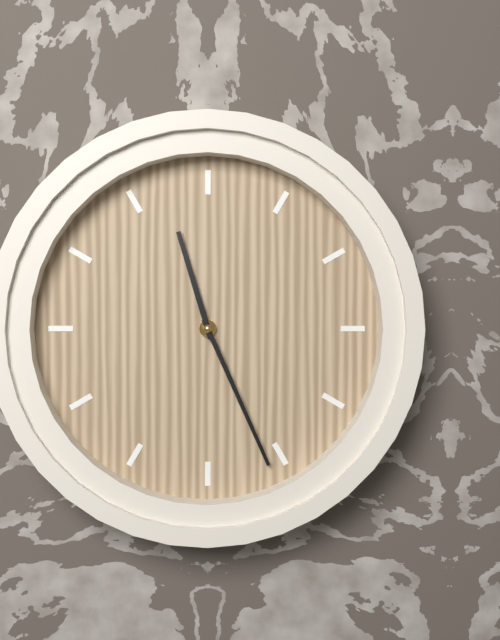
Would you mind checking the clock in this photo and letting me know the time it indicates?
11:26
